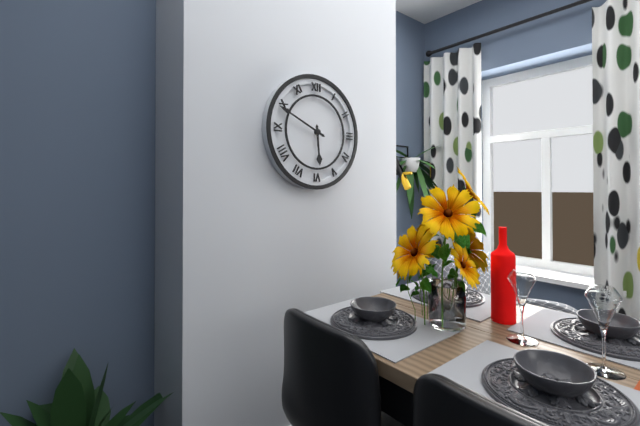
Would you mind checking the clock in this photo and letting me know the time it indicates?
5:49
